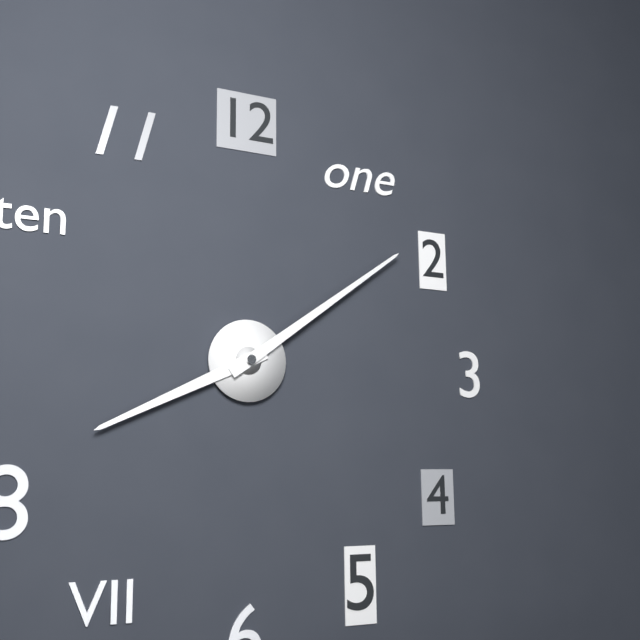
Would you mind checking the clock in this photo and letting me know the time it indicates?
8:09
